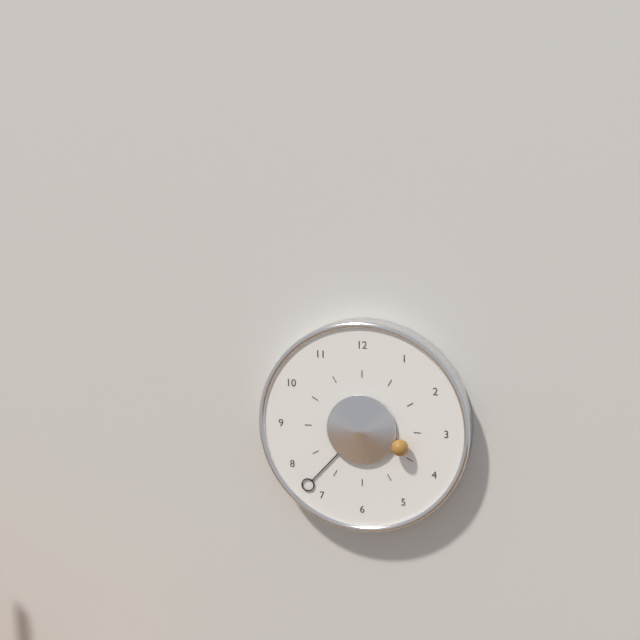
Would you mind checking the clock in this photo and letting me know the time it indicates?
3:37
